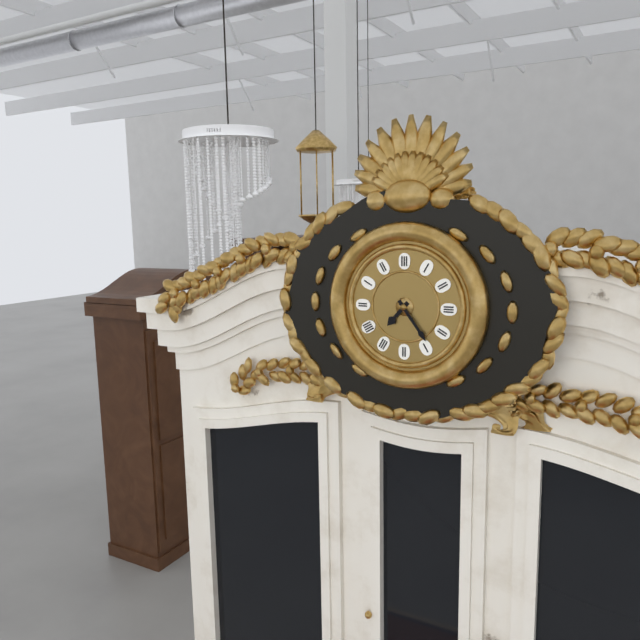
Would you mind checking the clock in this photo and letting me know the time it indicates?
7:24
